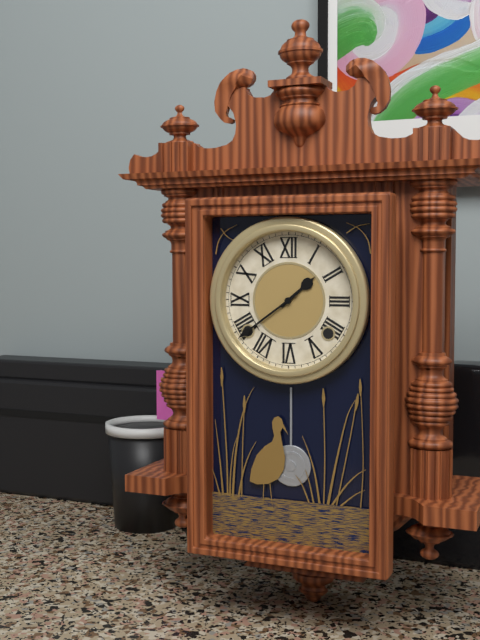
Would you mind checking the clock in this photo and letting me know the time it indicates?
1:39
